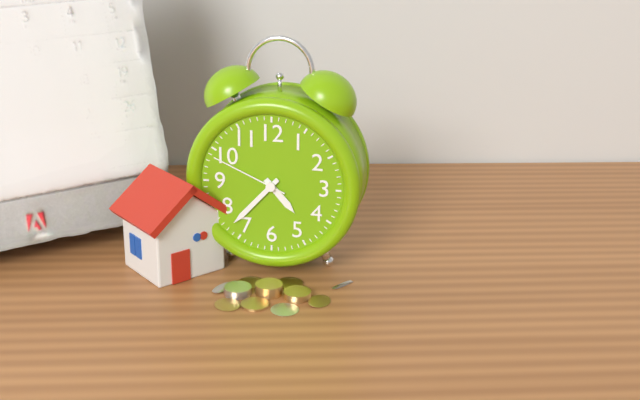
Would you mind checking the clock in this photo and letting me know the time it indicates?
4:37:49
